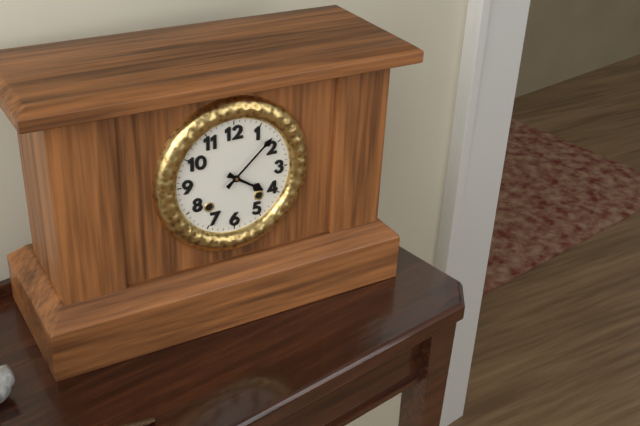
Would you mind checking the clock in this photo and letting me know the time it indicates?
4:08
